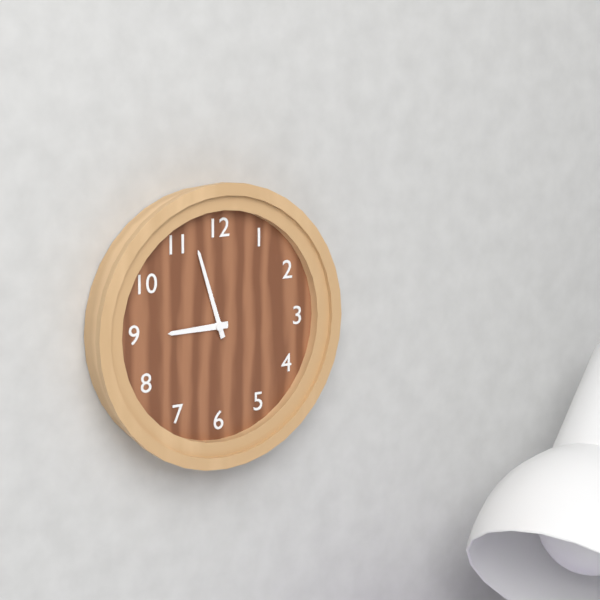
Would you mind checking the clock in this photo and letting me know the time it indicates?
8:57
